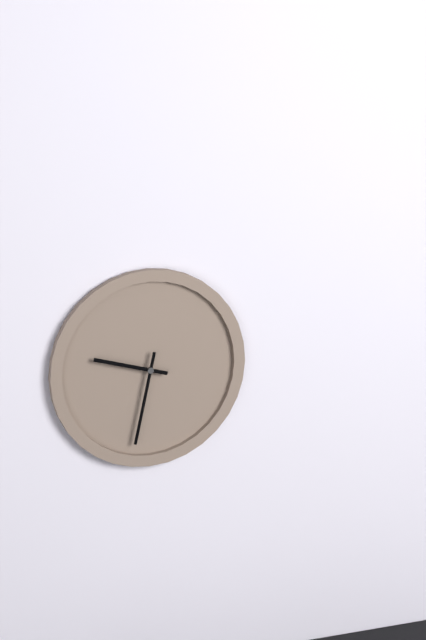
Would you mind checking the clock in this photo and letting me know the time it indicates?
9:32
